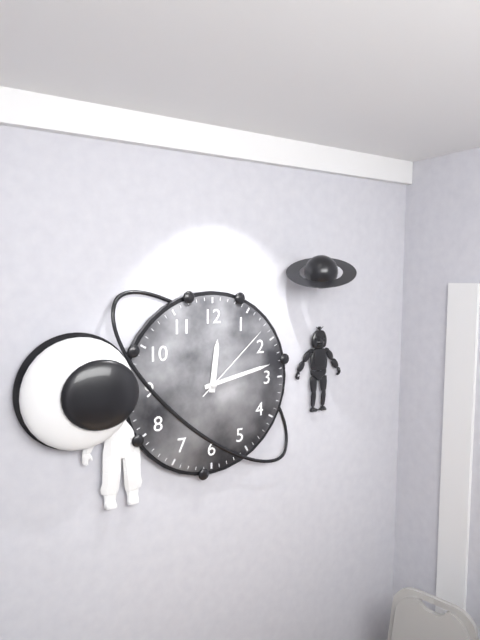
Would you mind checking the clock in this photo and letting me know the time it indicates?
12:13:08
